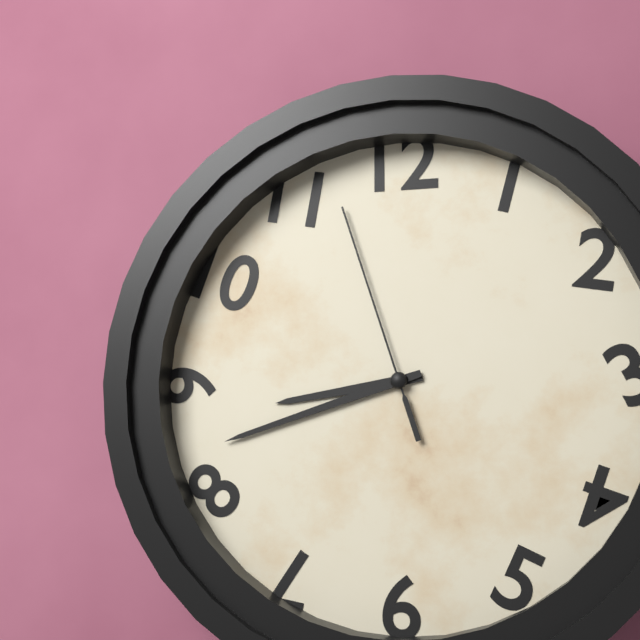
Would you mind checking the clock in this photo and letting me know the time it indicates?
8:42:57
